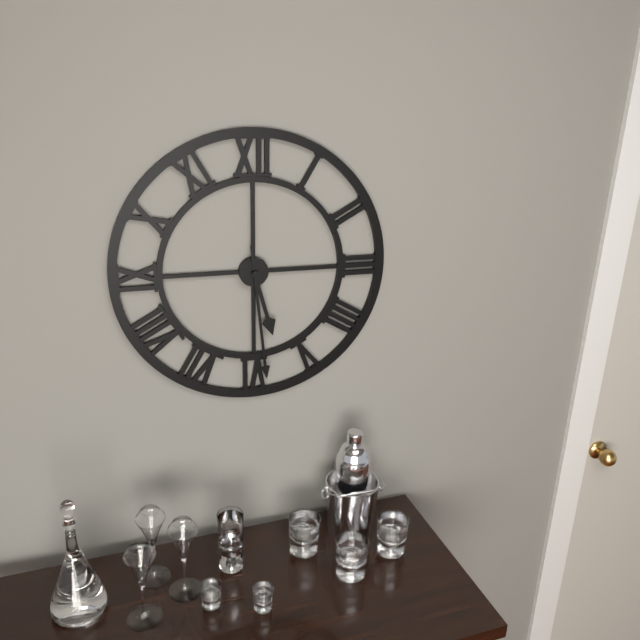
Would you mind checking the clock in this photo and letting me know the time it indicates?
5:29
